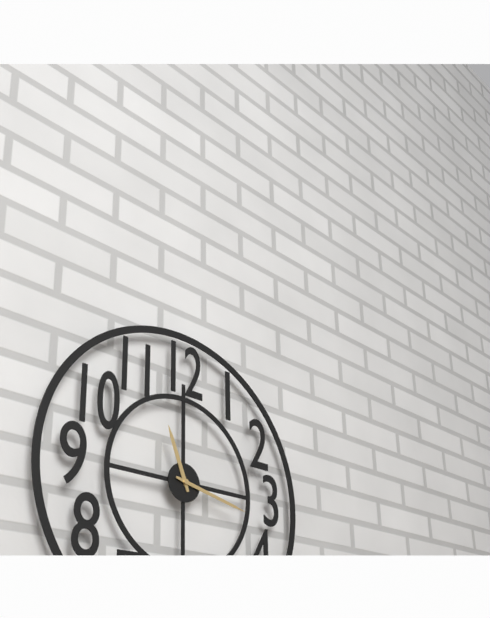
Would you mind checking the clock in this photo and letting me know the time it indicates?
11:17
